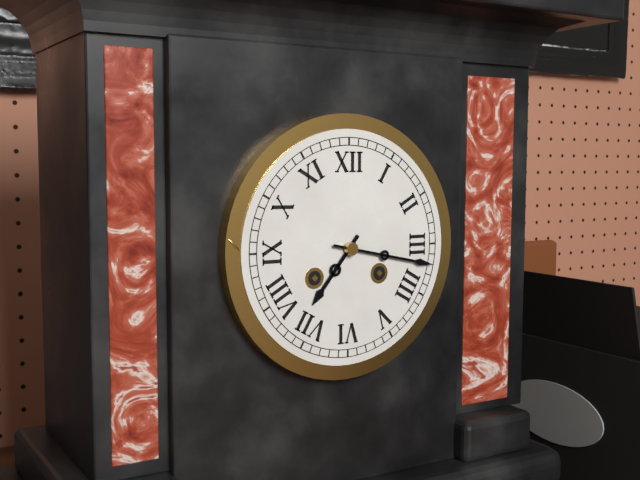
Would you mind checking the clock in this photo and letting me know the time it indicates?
7:17
